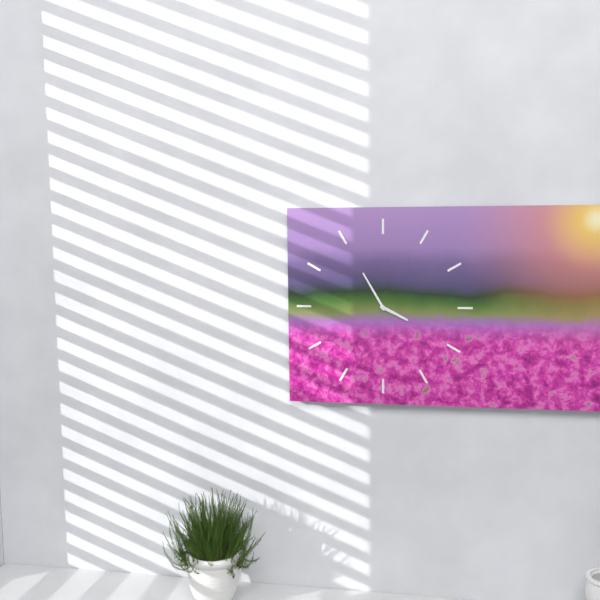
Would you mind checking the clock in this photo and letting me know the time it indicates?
3:55
